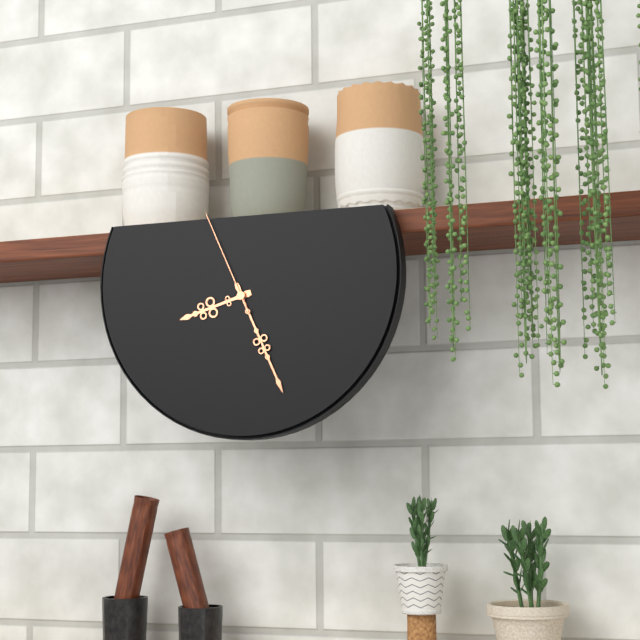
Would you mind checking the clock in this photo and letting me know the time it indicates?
8:26:56
